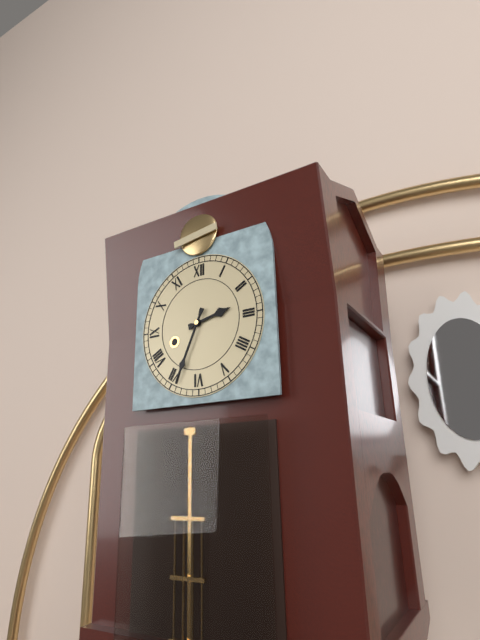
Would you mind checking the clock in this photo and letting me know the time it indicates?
2:34
